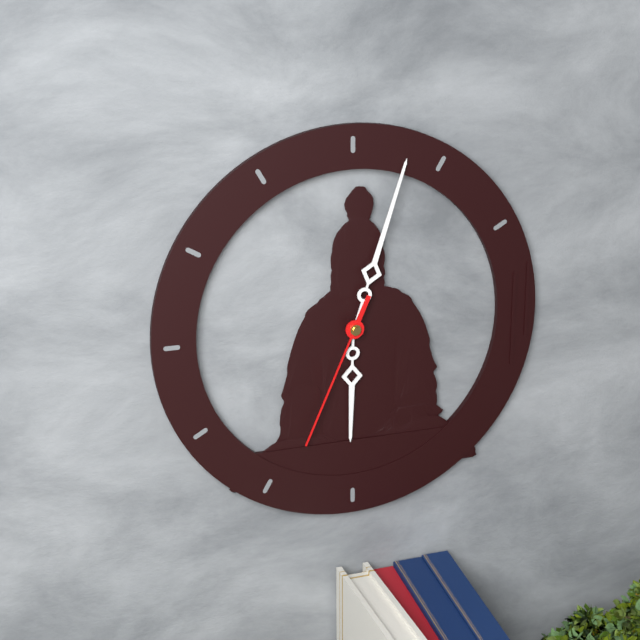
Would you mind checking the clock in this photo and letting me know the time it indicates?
6:03:34
